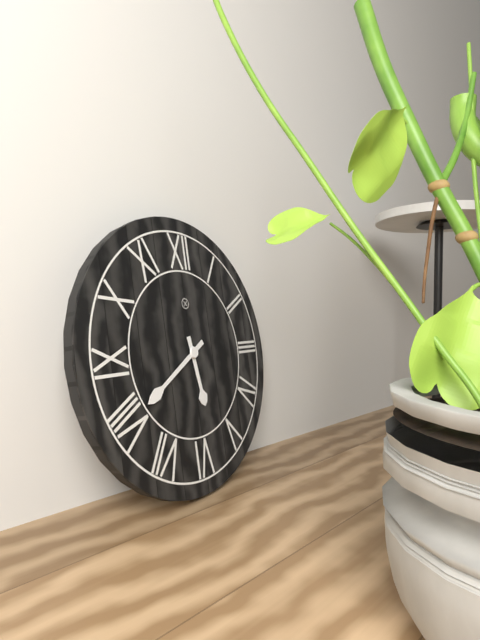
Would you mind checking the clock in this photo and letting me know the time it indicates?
5:40
